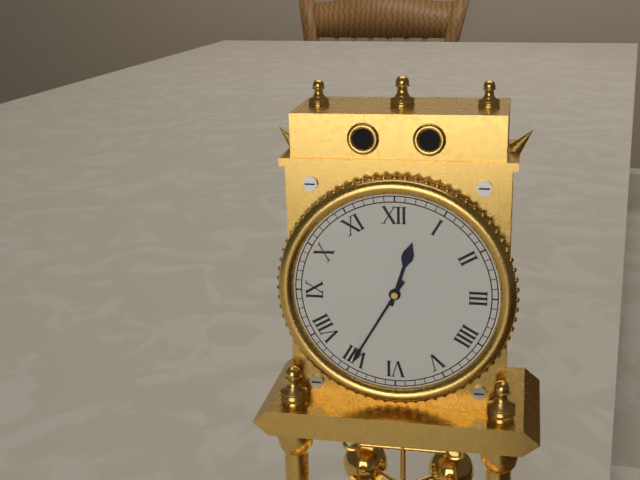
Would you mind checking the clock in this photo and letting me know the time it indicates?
12:35
